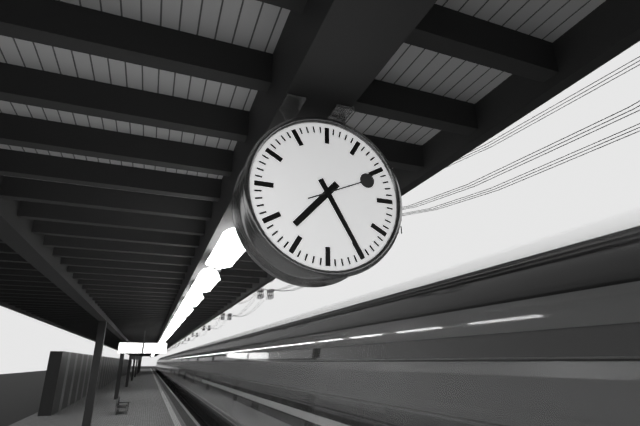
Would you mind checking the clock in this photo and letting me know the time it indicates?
7:25:11
